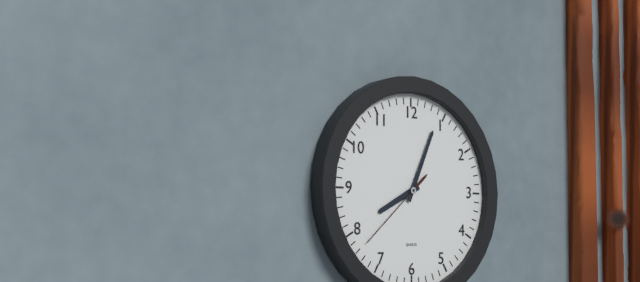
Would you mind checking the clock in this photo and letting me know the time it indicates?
8:04:38
